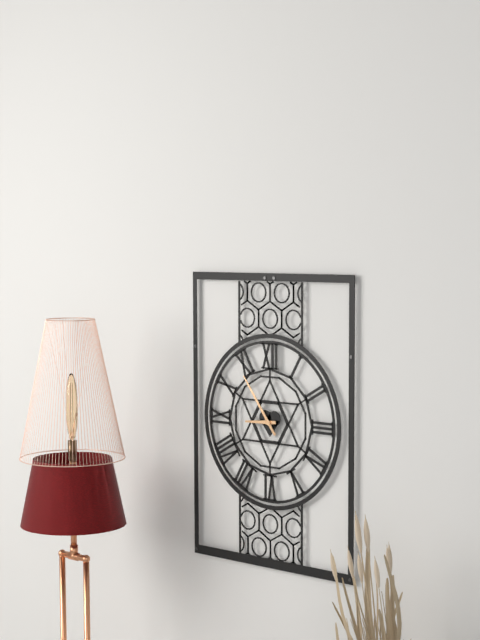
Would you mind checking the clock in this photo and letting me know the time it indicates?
8:54
